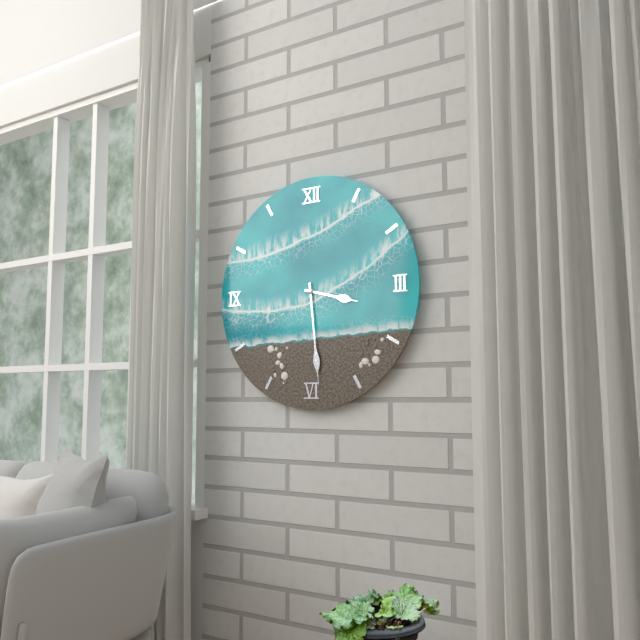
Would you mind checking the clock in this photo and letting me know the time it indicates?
3:29
